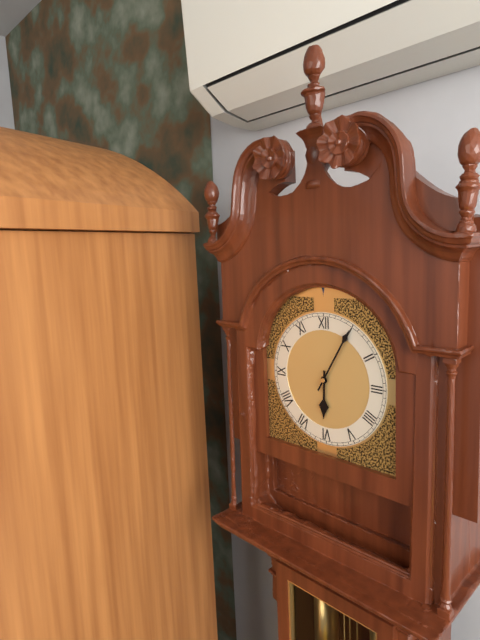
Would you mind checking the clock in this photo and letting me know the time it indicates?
6:05
